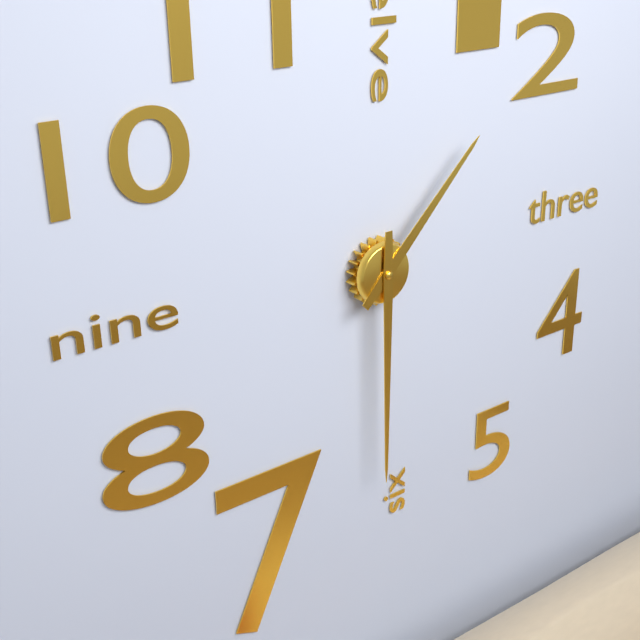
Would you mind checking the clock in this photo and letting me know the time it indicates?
1:30
